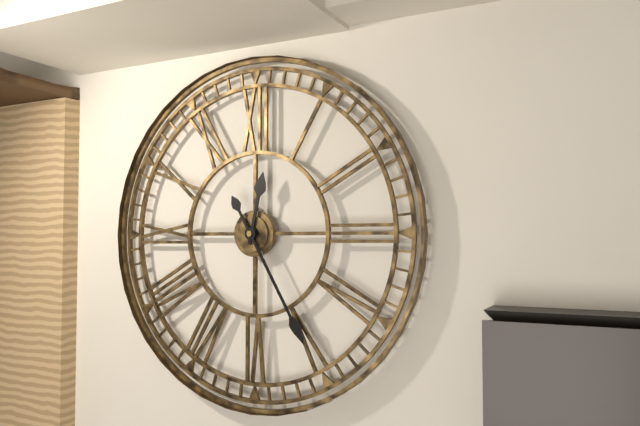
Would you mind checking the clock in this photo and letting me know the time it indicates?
12:25
